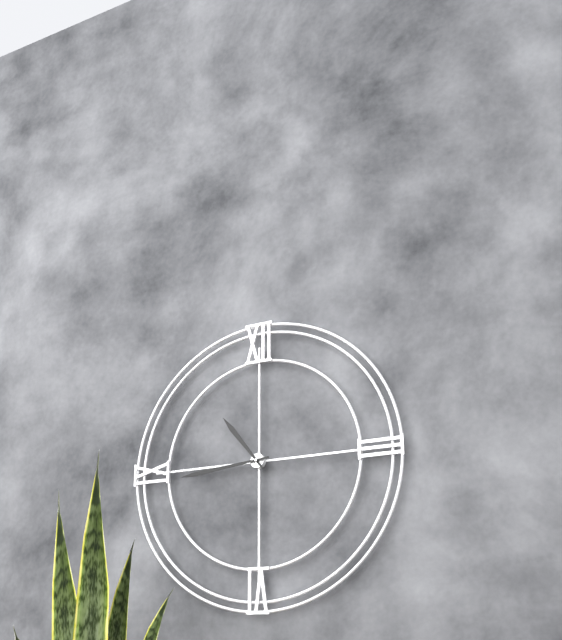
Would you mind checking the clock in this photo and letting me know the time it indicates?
10:44
